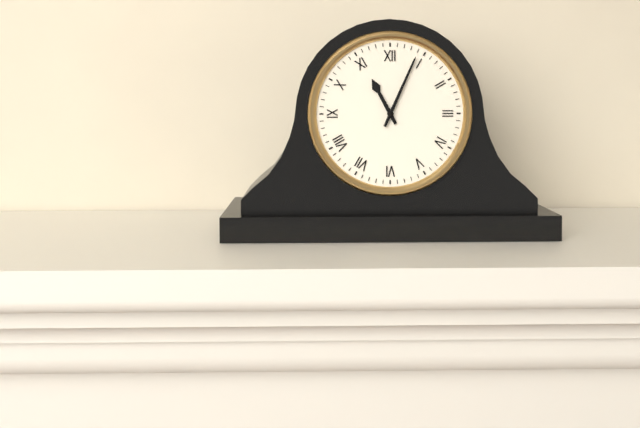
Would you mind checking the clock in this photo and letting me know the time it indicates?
11:04
